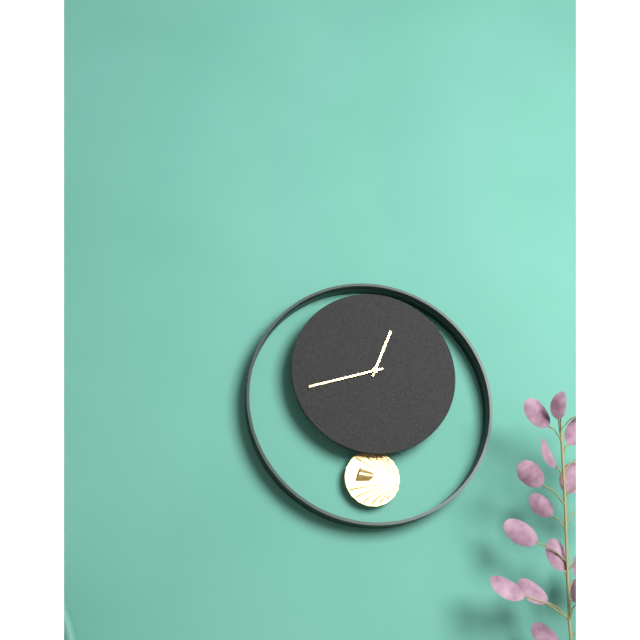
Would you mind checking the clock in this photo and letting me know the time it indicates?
12:42
